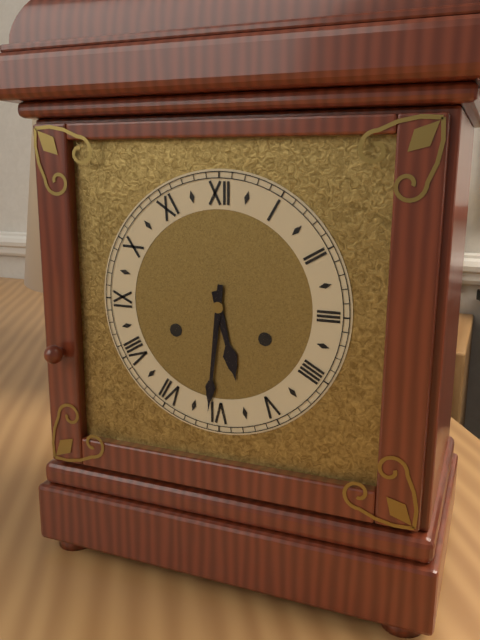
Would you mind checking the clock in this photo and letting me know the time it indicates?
5:31
